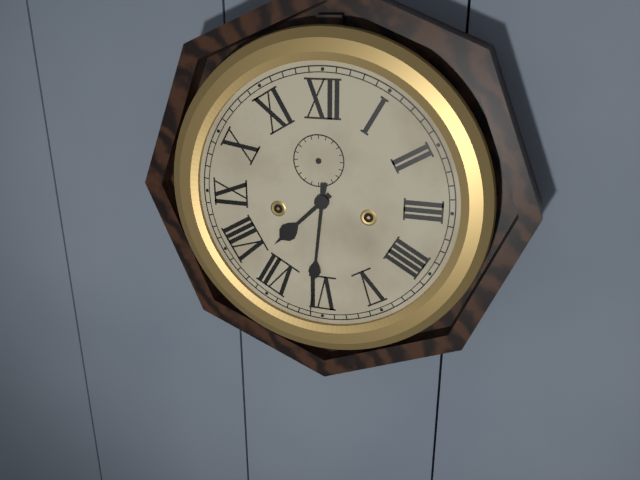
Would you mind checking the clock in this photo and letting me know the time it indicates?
7:31
